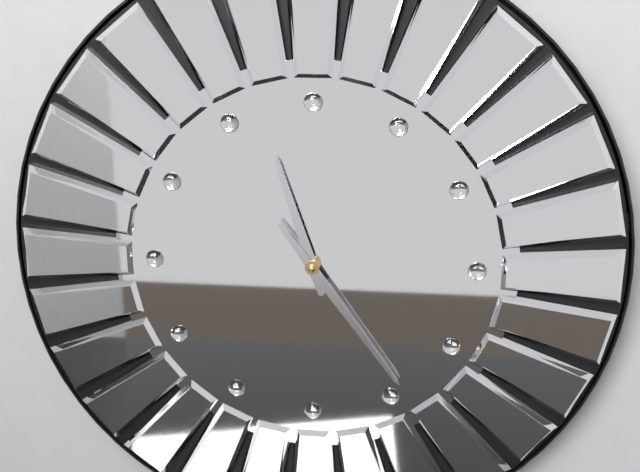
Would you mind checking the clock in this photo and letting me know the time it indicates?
11:24
